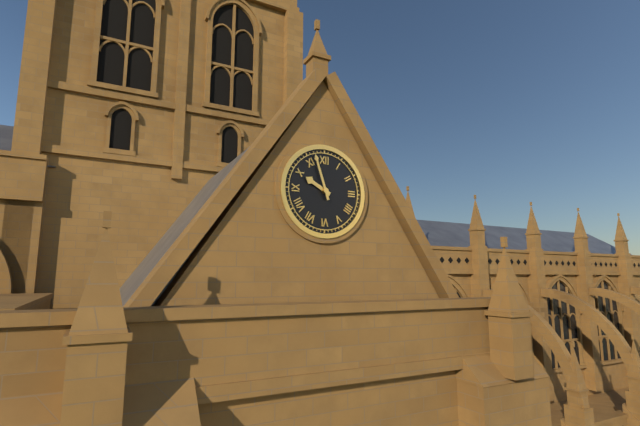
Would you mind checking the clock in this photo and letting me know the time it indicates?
9:57
